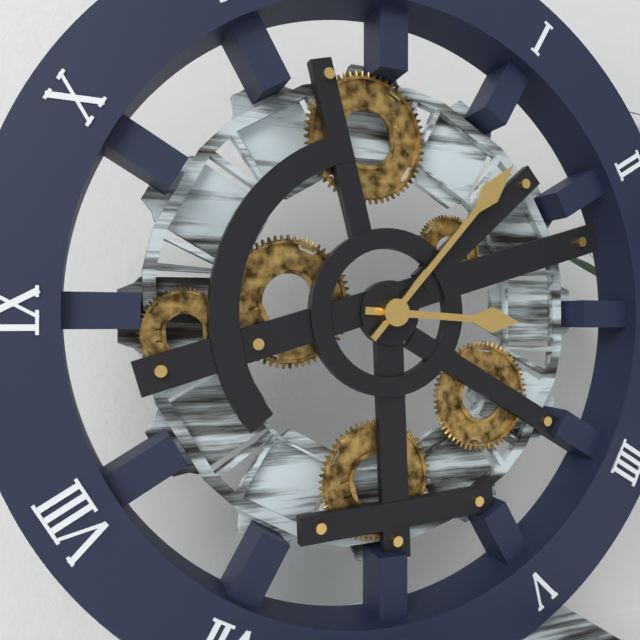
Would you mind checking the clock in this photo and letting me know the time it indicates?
3:07
